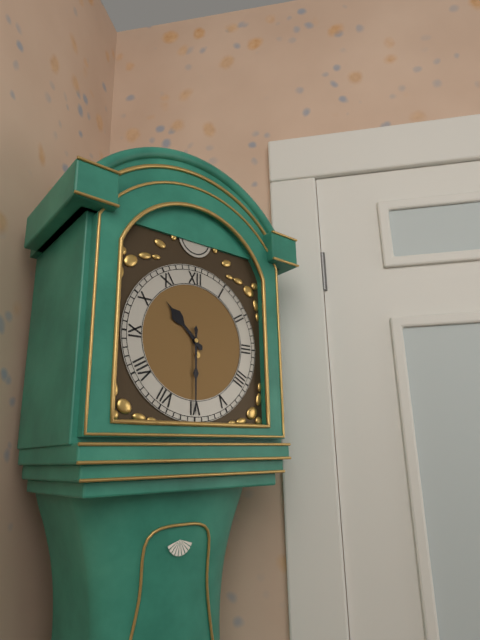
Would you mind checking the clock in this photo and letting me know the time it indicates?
10:30
